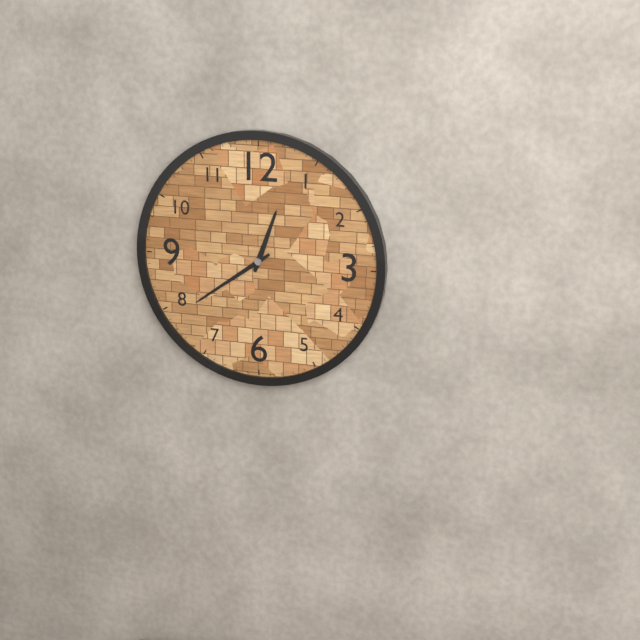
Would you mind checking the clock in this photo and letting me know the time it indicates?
12:39
